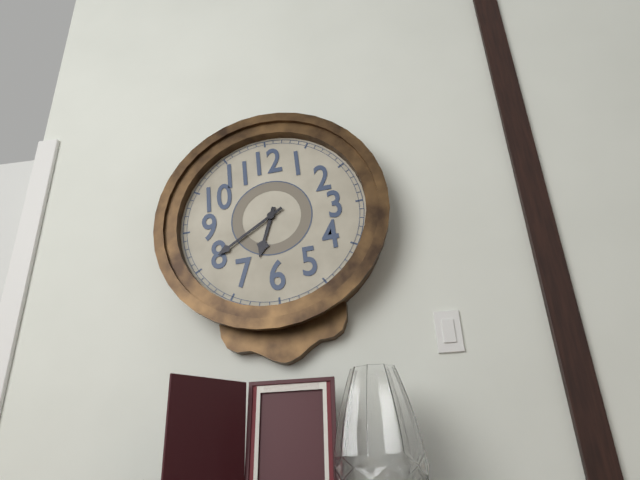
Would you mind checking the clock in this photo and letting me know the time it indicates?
6:40
